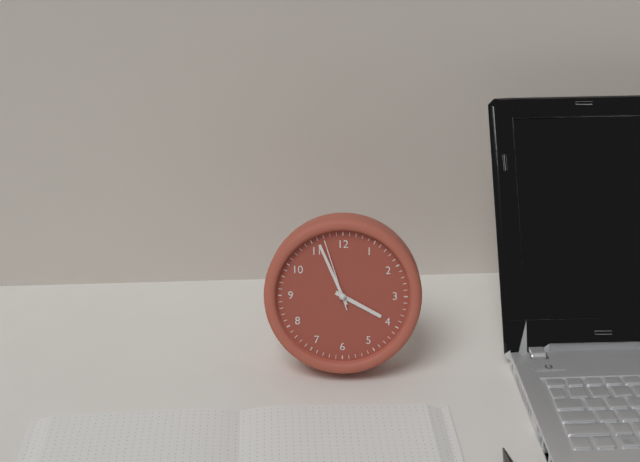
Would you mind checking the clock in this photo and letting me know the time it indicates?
3:56:57
